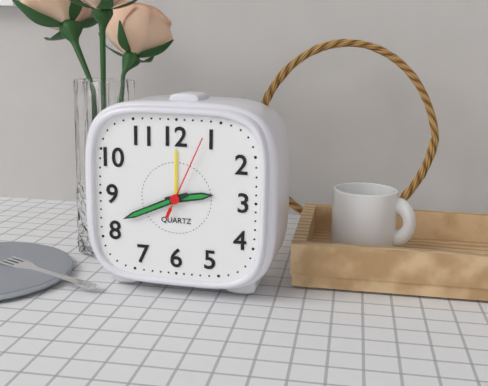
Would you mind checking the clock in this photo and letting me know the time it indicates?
2:41:04
